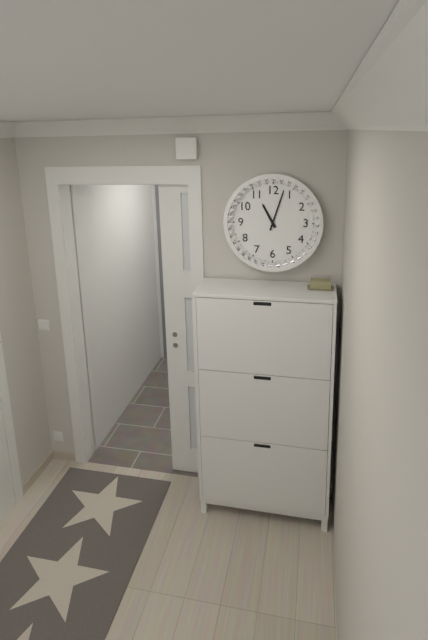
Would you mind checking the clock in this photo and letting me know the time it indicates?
11:03
